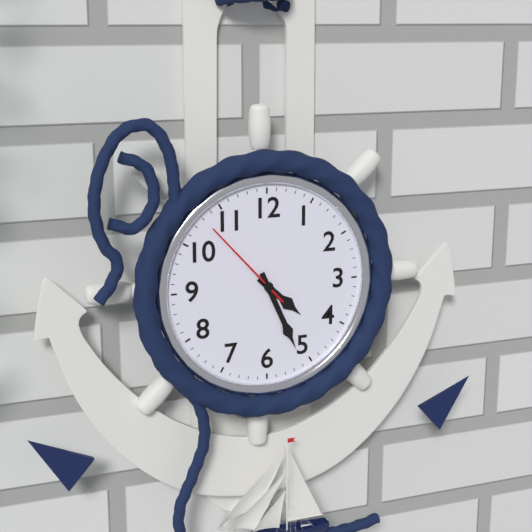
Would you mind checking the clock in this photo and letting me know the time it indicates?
4:26:53
